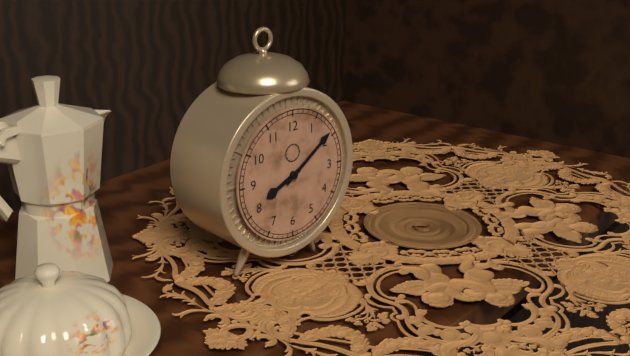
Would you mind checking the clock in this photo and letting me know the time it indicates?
8:09
